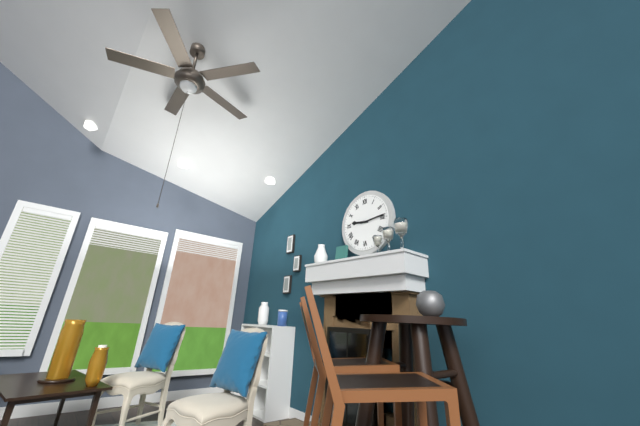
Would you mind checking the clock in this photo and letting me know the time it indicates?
9:14
